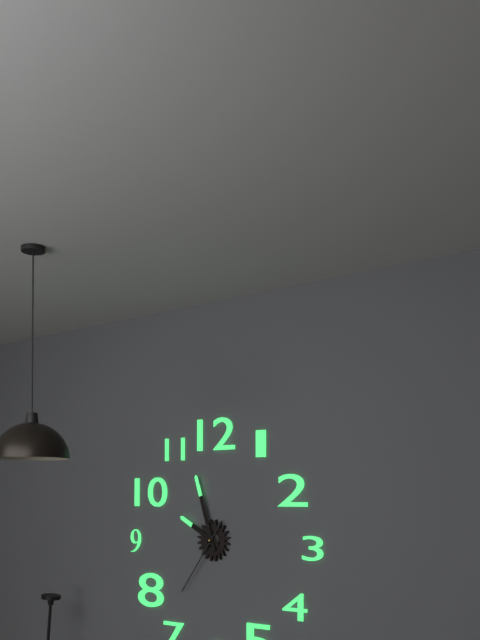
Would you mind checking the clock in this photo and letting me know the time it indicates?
9:57:36
